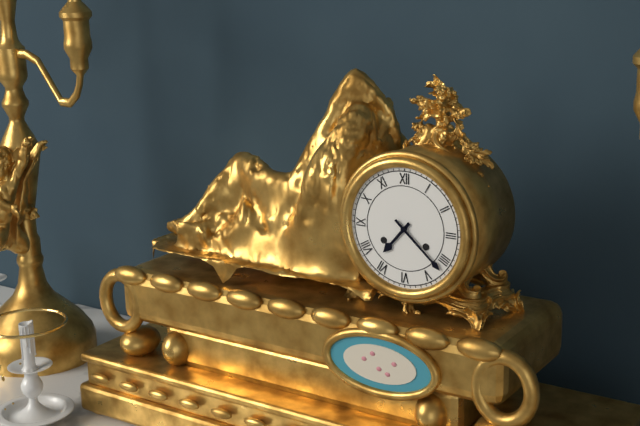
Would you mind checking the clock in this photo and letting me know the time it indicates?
7:22
